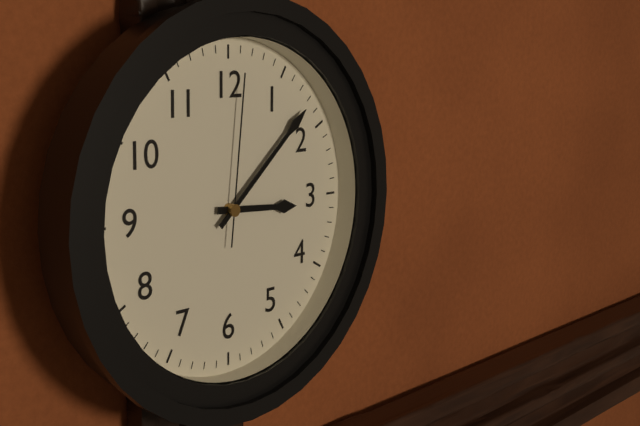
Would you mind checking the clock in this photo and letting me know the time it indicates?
3:08:01
